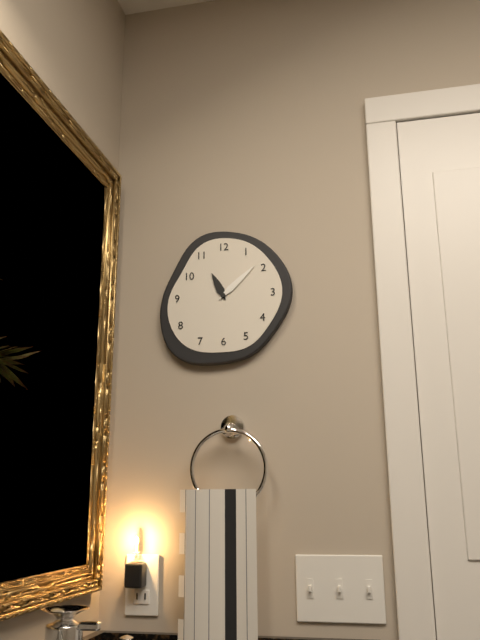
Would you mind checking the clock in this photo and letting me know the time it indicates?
11:08
